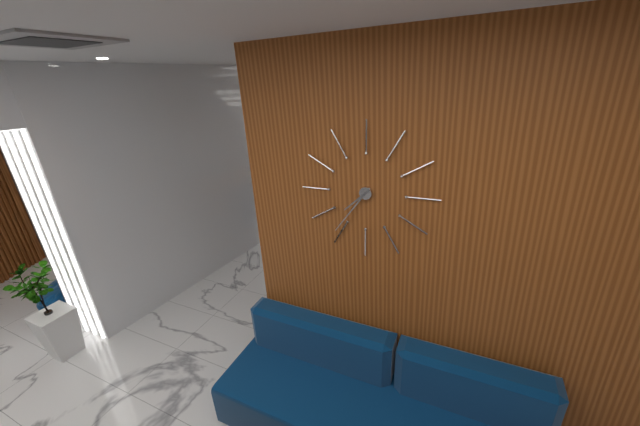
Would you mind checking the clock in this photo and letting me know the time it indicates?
7:36
